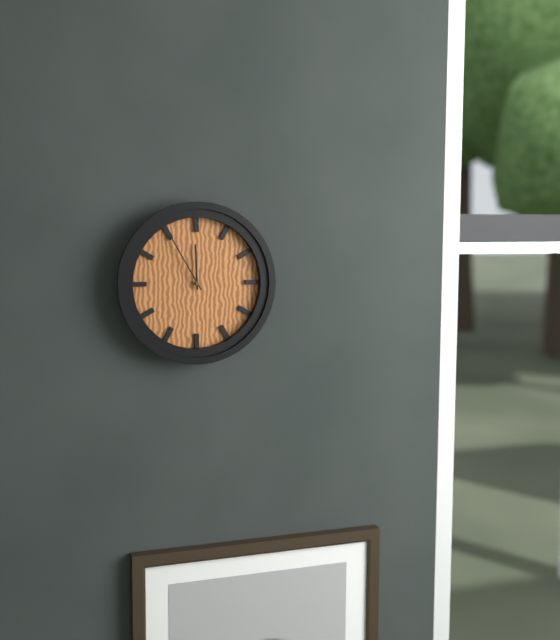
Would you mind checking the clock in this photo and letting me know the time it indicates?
11:55
